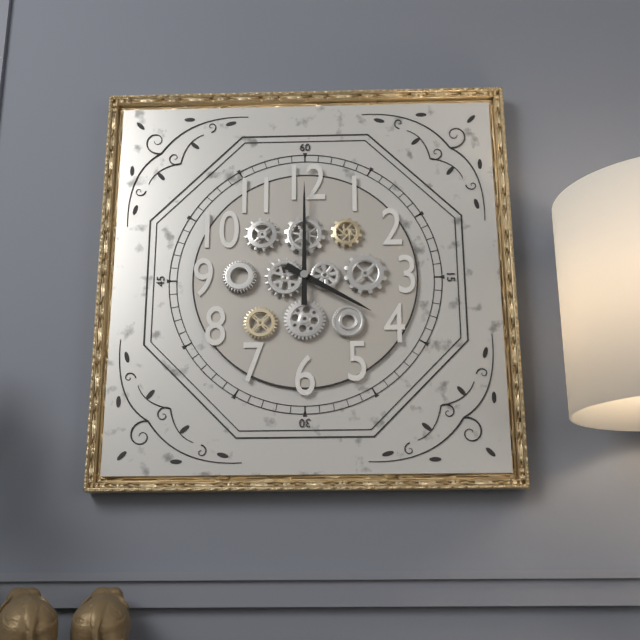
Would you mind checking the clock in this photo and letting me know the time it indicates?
4:00
